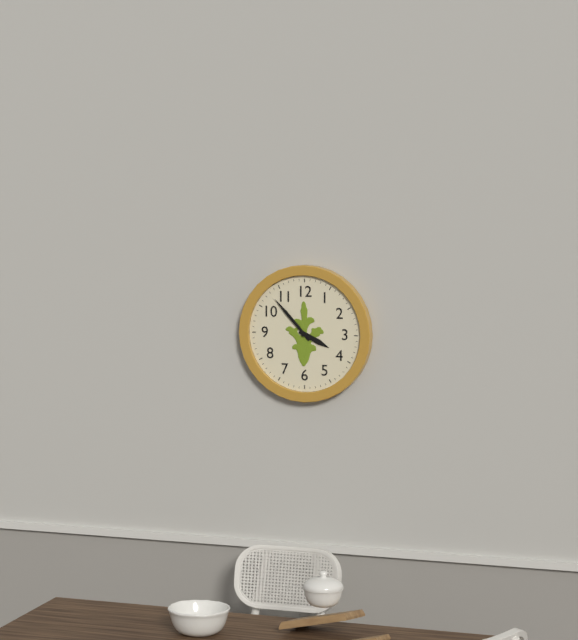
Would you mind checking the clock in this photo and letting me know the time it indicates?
3:53
